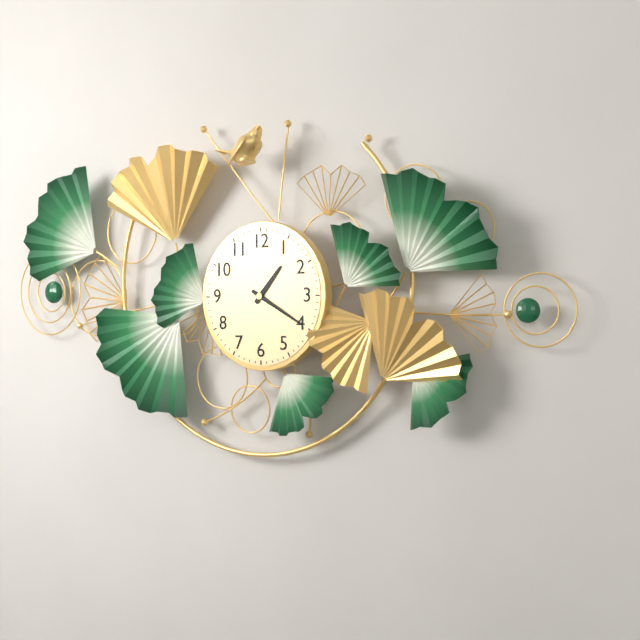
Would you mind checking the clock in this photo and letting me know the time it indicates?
1:20
